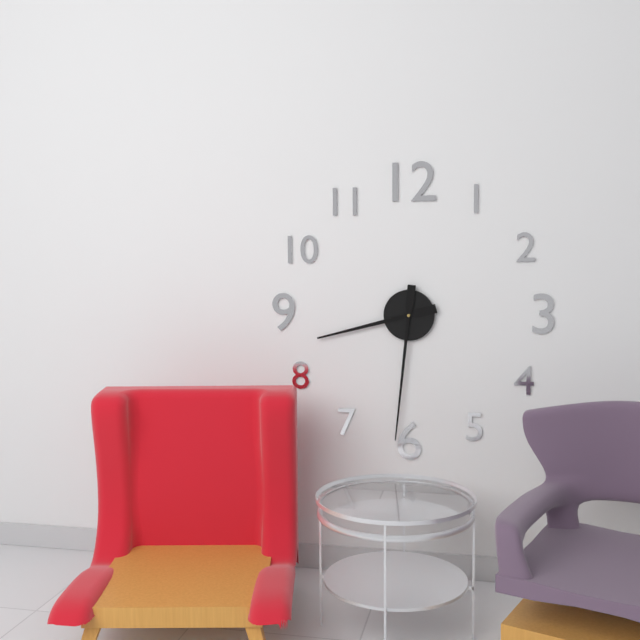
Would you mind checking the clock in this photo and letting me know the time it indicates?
8:31
